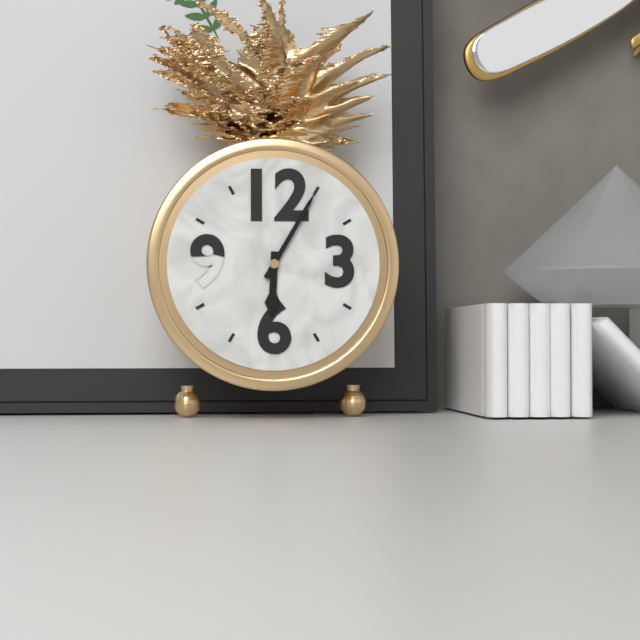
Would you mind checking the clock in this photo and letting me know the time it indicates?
6:05
